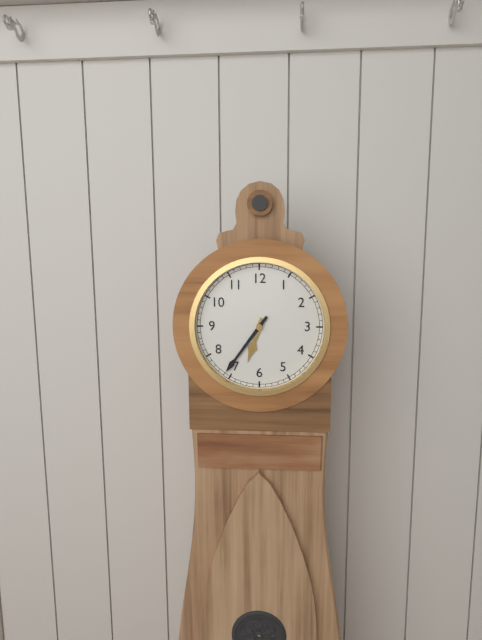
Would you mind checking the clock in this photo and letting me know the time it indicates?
6:36
